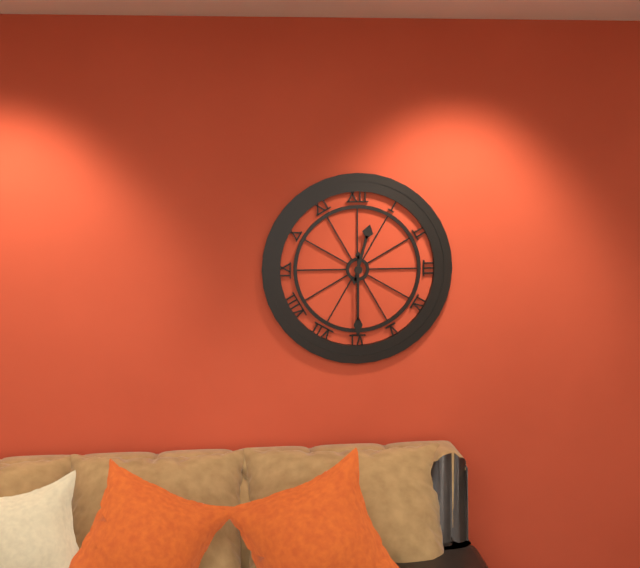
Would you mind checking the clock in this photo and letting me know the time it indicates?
12:30
